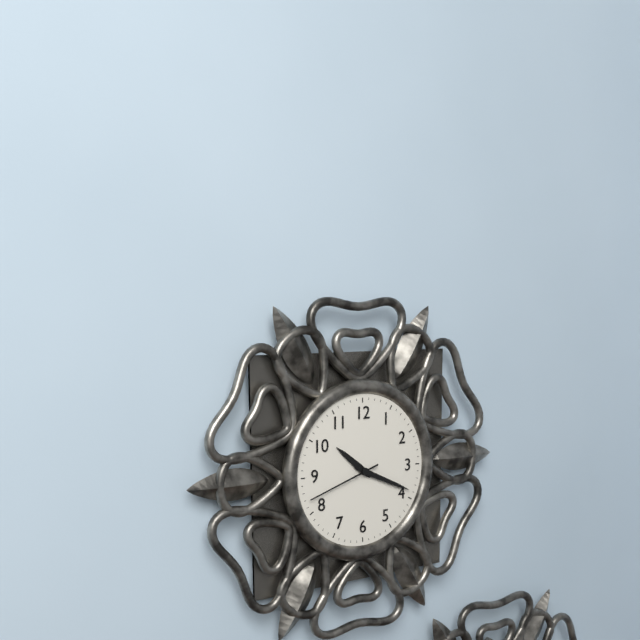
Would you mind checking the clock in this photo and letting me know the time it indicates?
10:19:42
